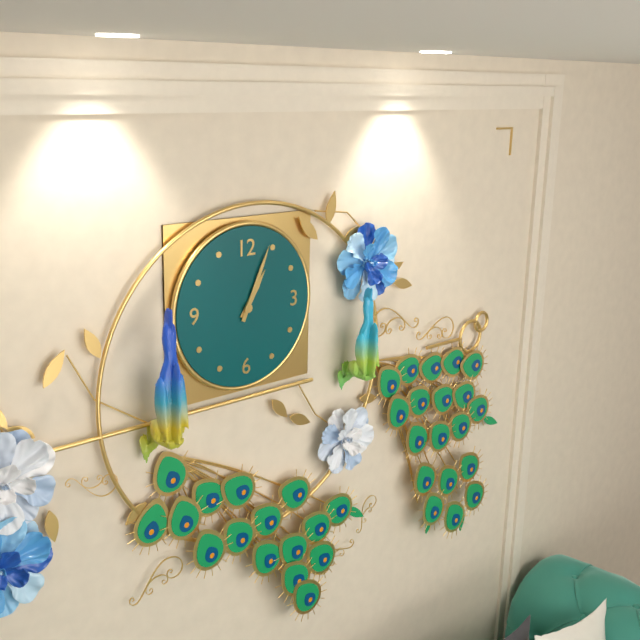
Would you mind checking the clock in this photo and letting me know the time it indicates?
1:04
